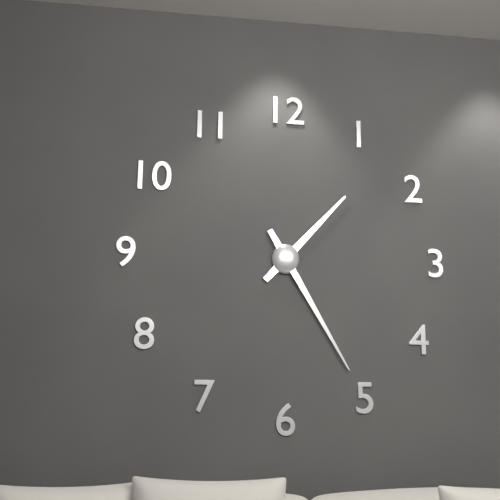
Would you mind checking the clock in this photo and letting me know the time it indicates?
1:25
